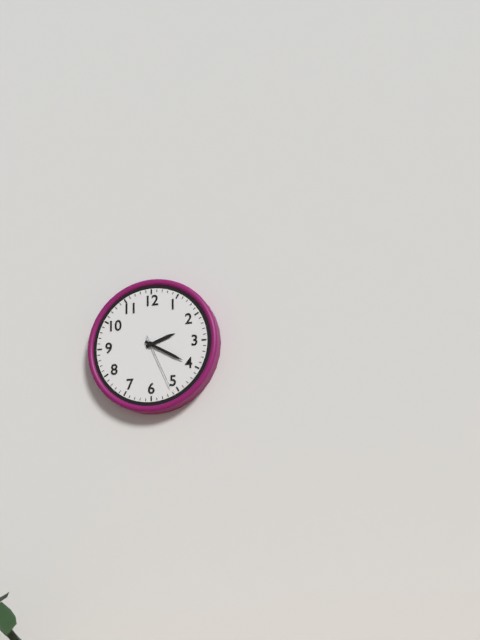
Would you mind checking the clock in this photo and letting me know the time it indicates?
2:20:26
